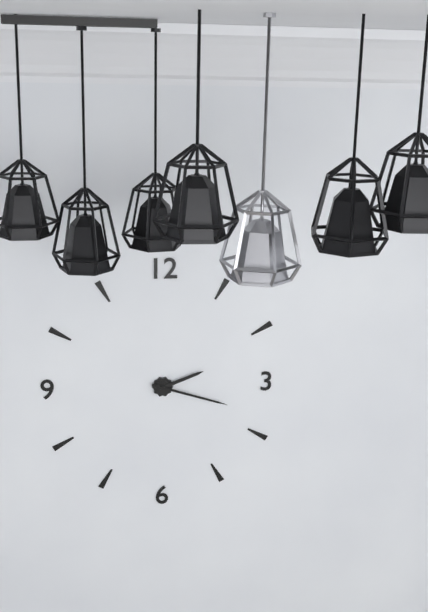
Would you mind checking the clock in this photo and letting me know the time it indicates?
2:18
